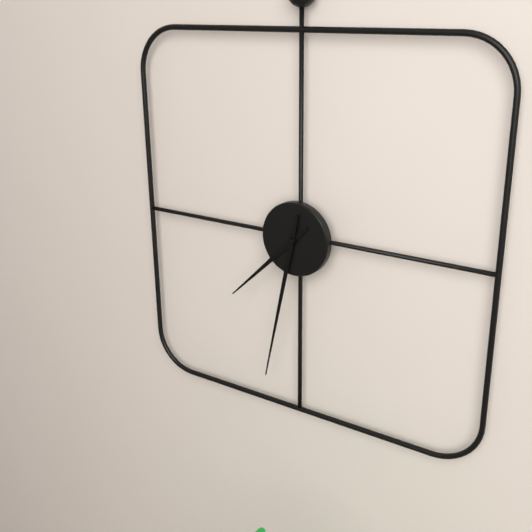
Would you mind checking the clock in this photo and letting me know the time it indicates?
7:32
